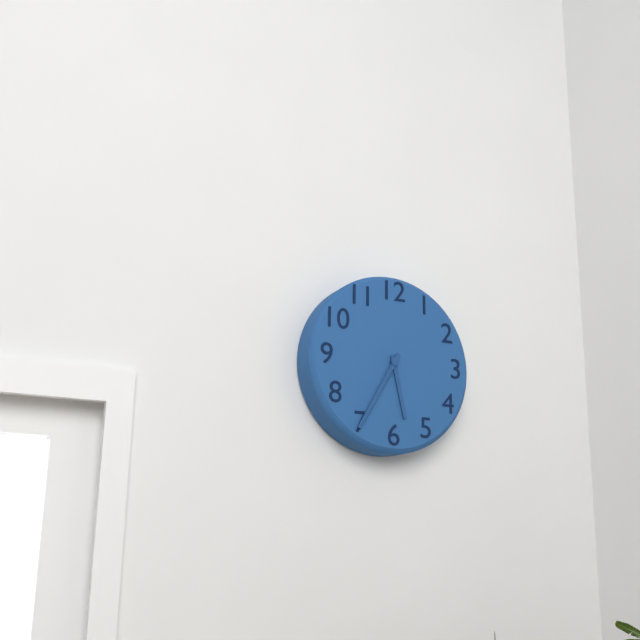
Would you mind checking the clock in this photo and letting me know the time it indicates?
5:35
